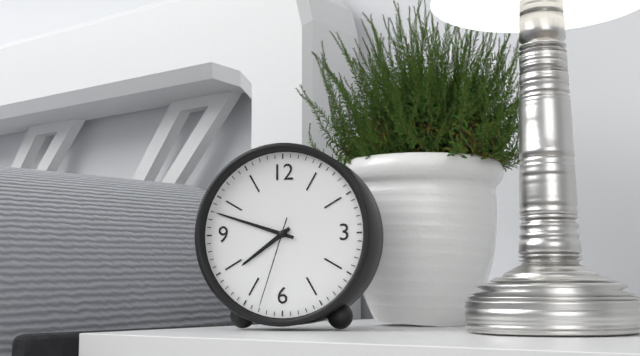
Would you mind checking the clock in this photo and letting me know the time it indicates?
7:48:33
